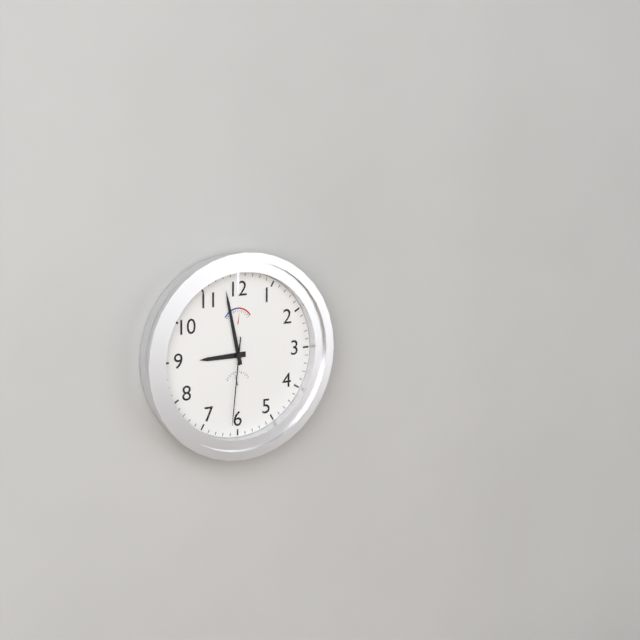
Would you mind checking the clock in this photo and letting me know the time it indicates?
8:58:31
